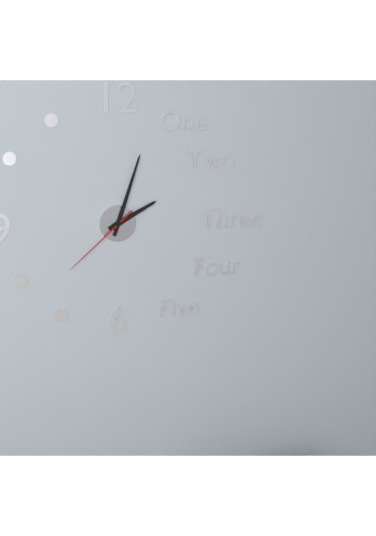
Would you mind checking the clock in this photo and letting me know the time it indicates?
2:03:38
